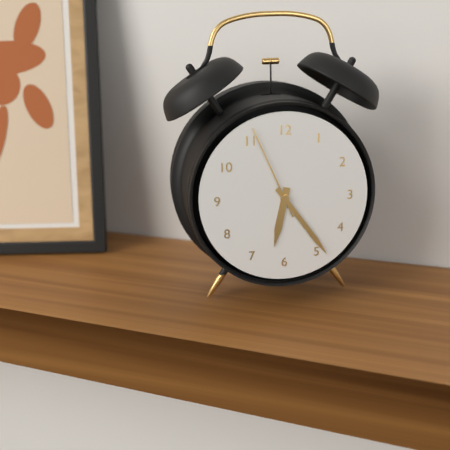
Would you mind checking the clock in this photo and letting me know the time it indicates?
6:24:56
